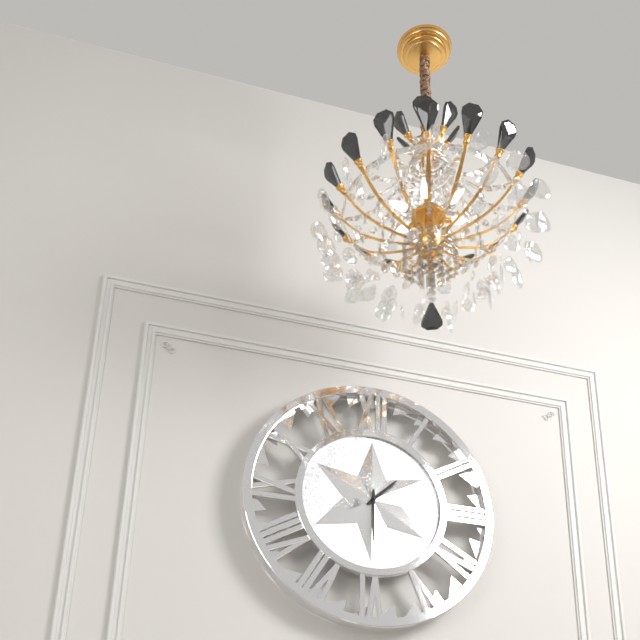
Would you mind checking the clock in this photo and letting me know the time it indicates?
1:30
